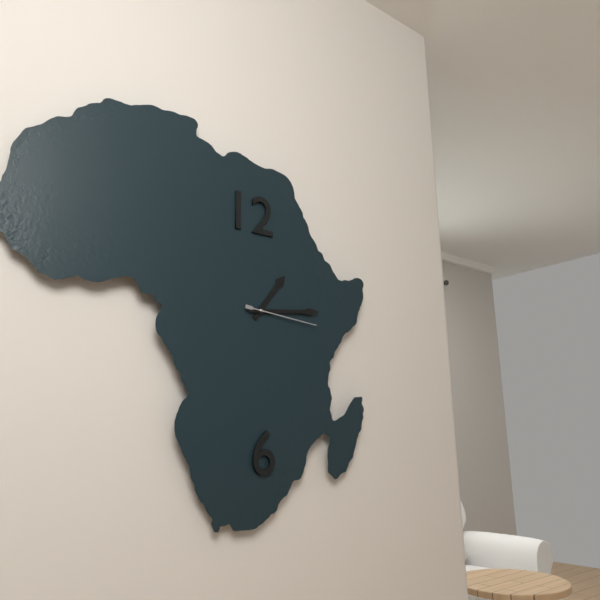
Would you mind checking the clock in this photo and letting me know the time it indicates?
1:14:16
